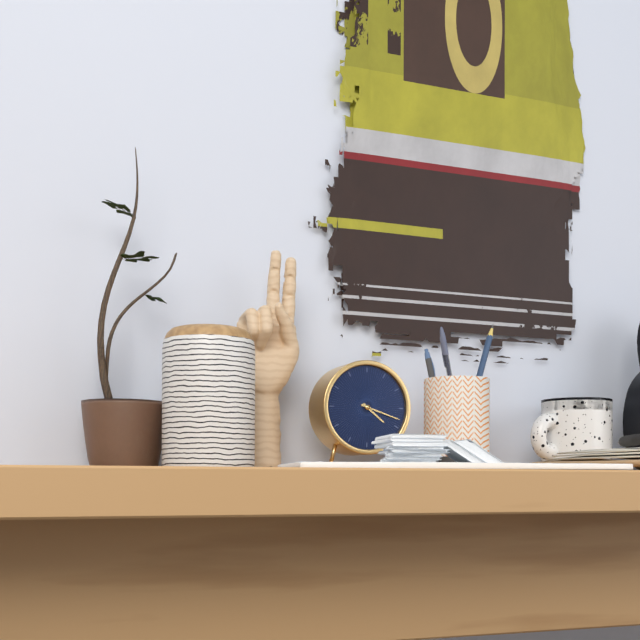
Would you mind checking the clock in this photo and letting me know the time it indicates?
4:18
